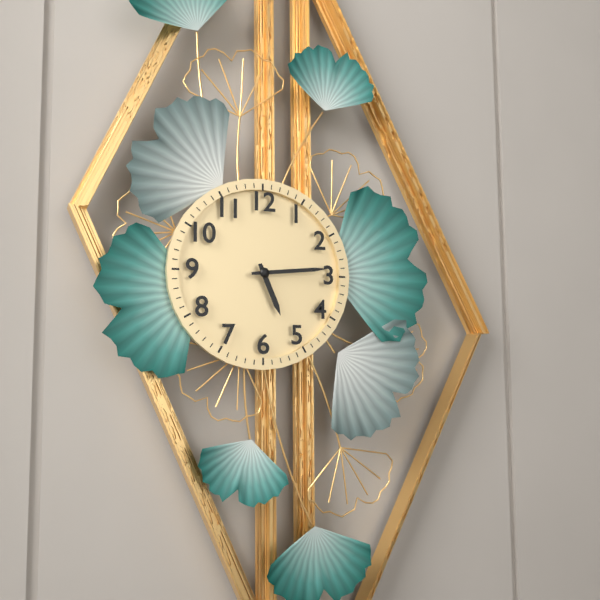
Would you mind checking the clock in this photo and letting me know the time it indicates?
5:14
